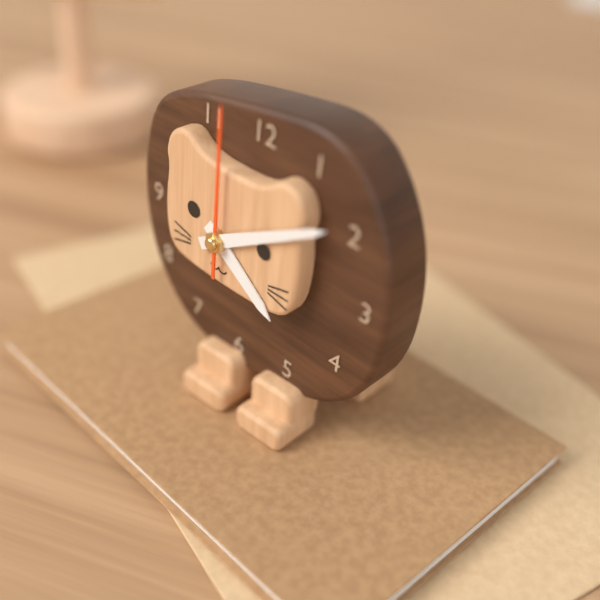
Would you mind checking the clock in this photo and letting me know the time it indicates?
4:10:00
